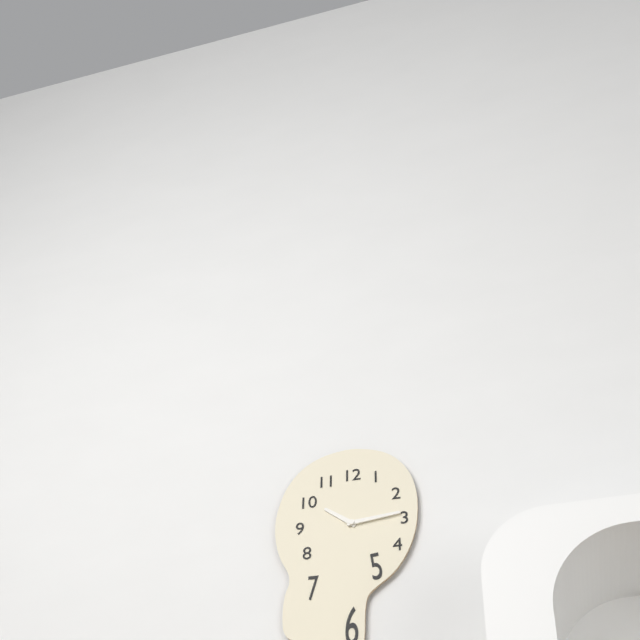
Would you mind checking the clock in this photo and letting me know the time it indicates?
10:14
